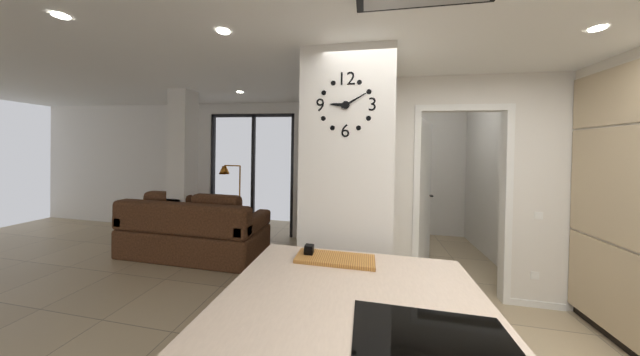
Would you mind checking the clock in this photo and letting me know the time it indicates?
9:10
